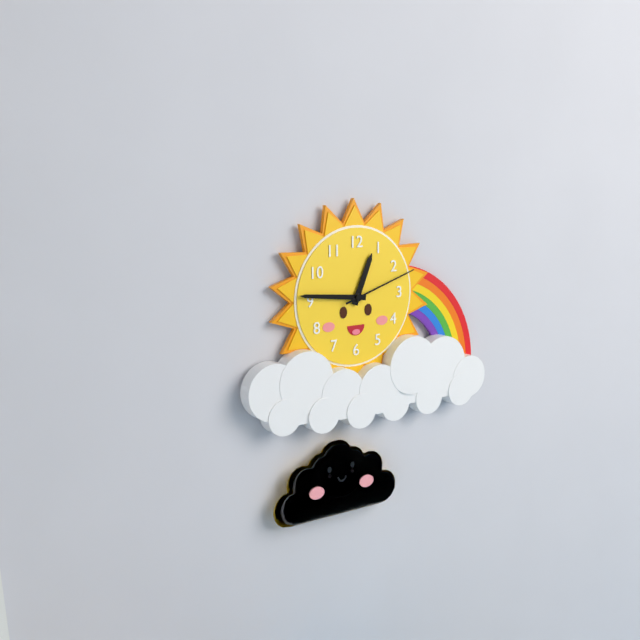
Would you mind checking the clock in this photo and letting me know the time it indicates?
12:46:12
